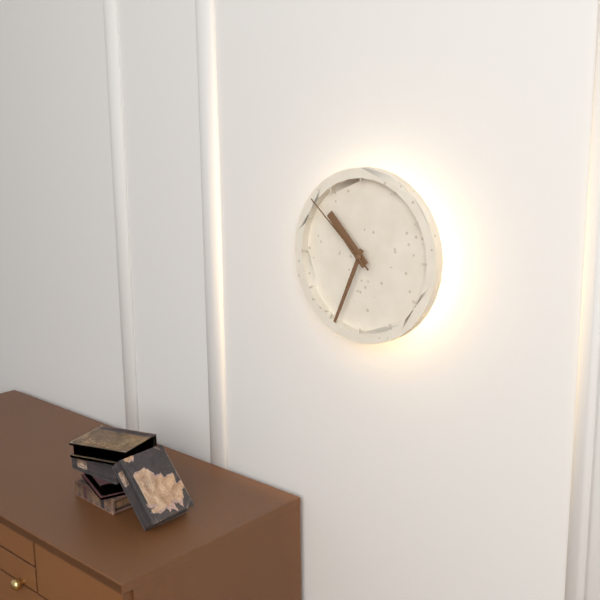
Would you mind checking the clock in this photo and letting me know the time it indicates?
10:34:52
